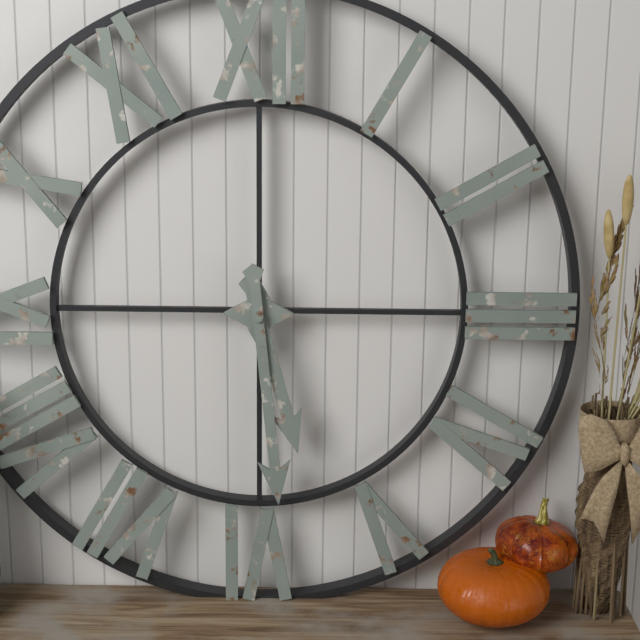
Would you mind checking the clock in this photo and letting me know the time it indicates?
5:29
